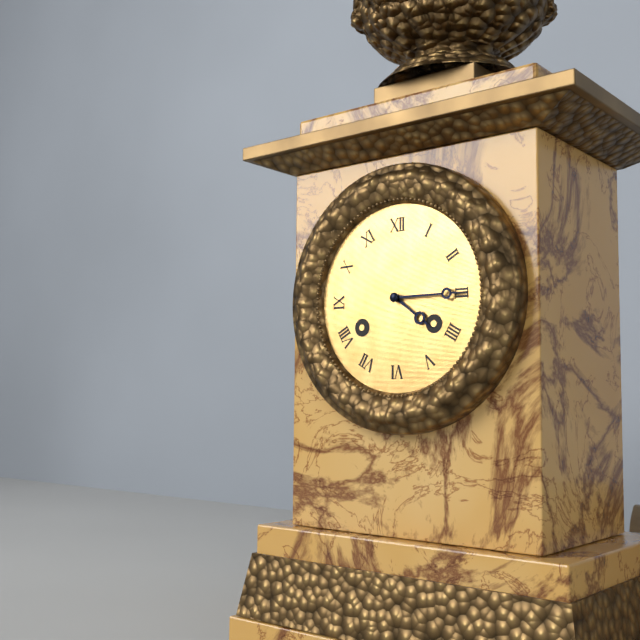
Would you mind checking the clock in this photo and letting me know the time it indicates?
4:15
